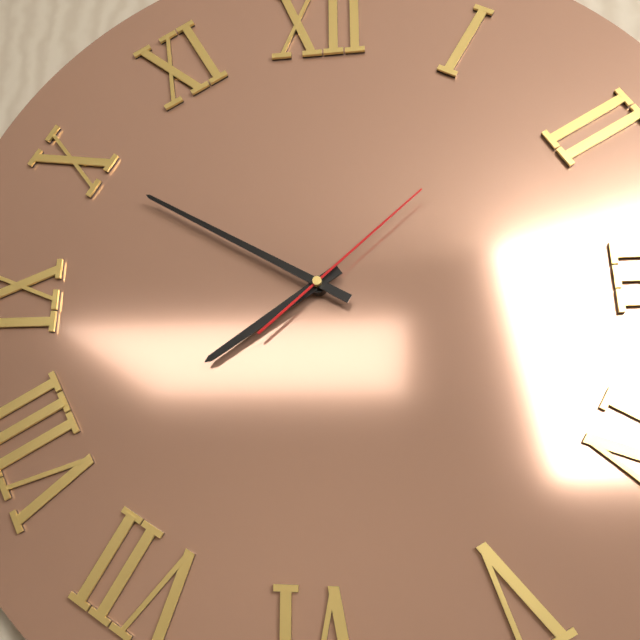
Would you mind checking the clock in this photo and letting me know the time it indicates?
7:50:08
